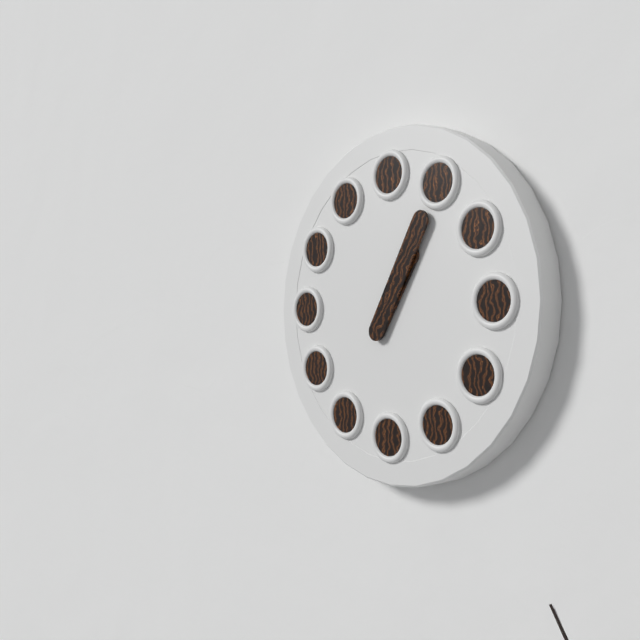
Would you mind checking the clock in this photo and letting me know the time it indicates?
1:05
